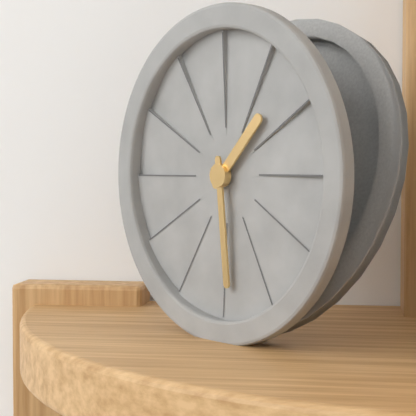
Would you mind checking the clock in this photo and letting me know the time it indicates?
1:29
